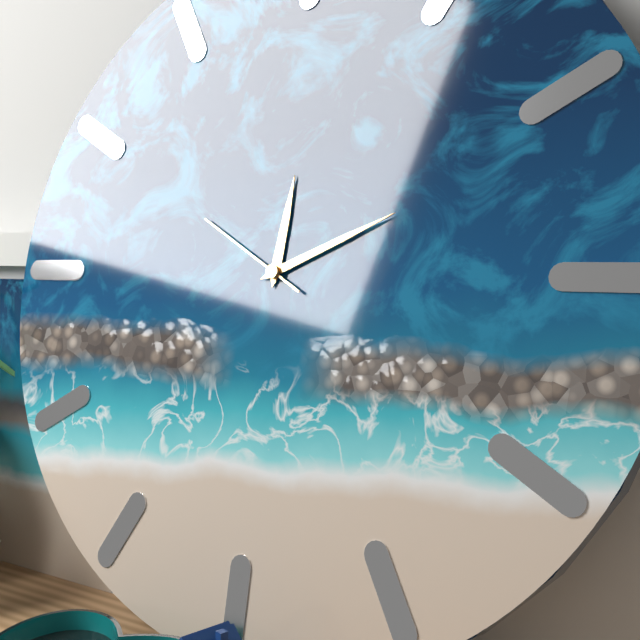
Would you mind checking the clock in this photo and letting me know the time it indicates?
12:11:50
